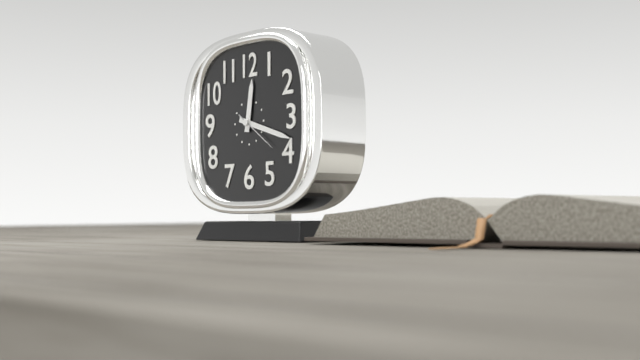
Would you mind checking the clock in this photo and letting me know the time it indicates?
12:18
